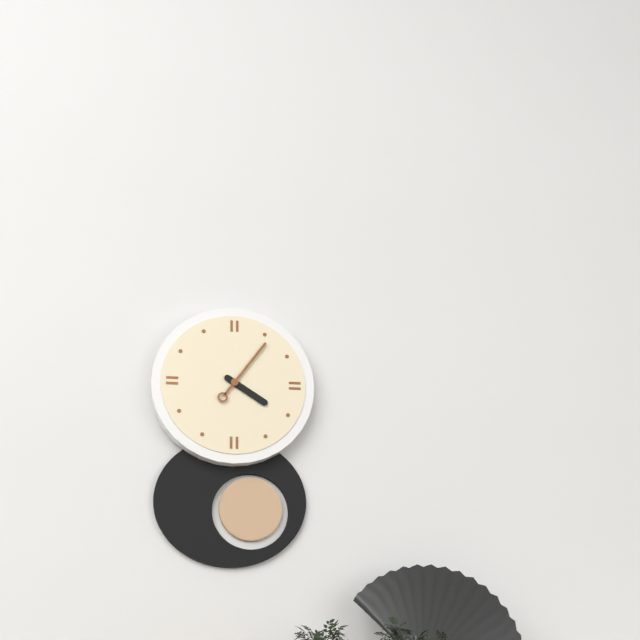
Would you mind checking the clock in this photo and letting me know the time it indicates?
4:06
